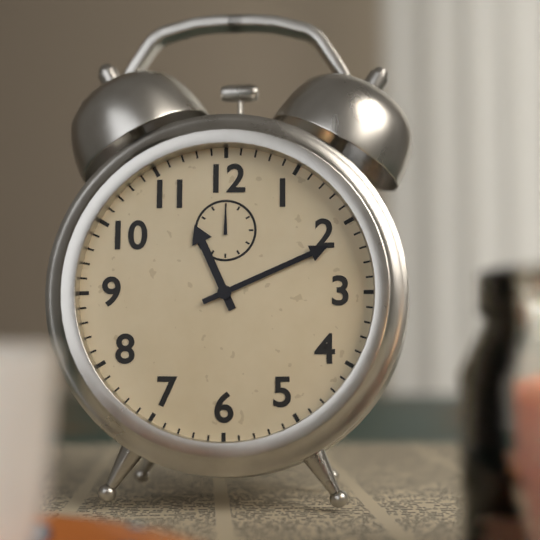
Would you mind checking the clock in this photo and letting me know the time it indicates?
11:11
